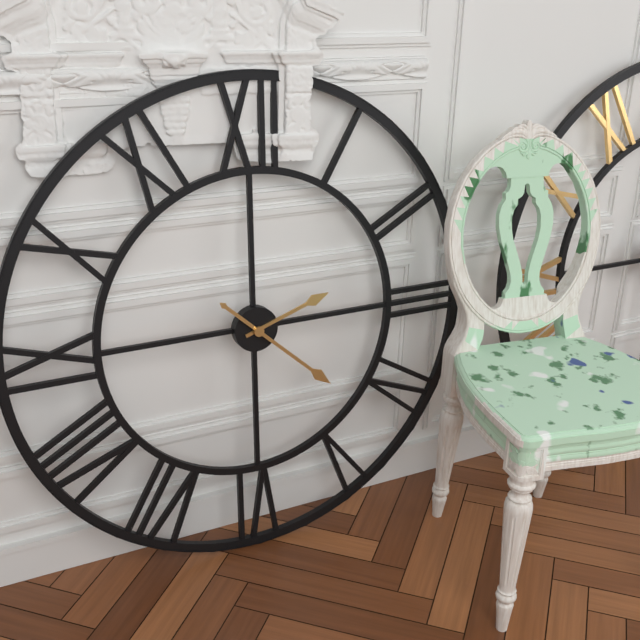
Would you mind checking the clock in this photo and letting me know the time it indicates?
2:22
